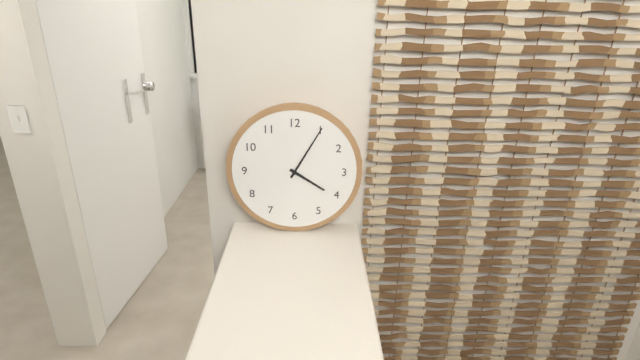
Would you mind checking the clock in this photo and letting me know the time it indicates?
4:05
